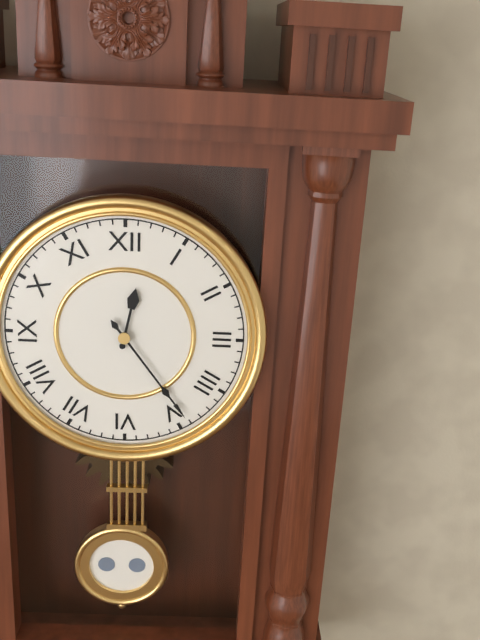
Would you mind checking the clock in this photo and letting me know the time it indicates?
12:24
